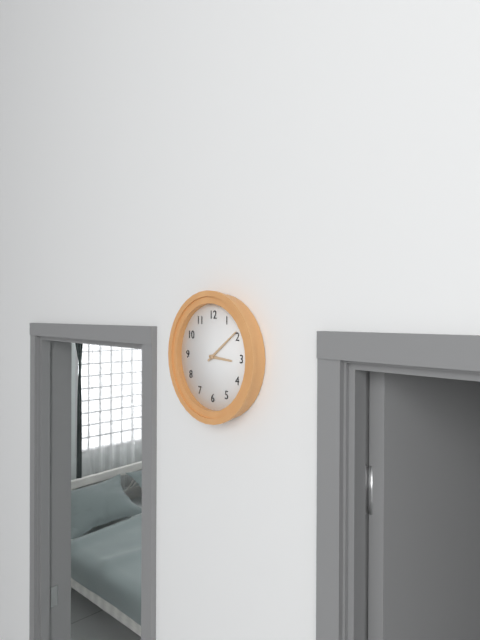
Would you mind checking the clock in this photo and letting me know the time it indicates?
3:09
